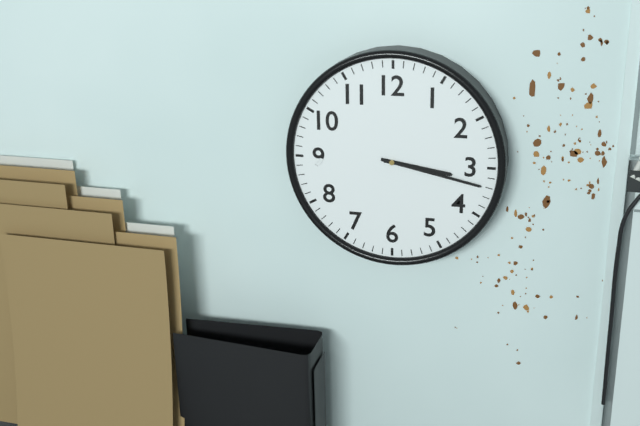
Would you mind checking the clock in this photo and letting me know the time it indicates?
3:17
